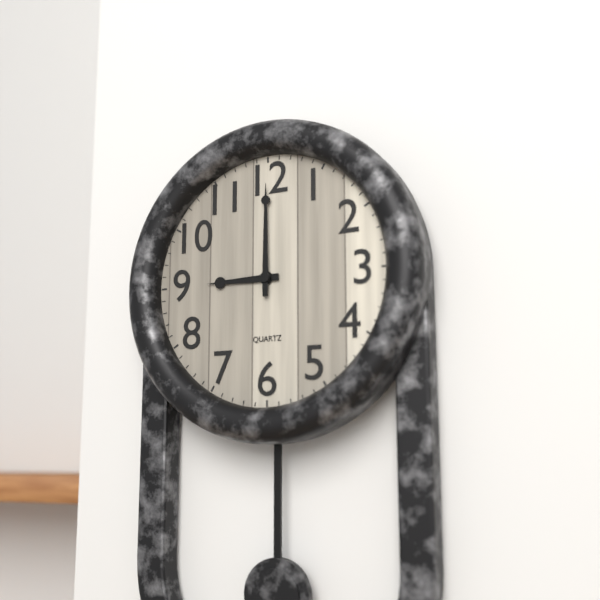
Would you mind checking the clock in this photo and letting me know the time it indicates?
9:00
